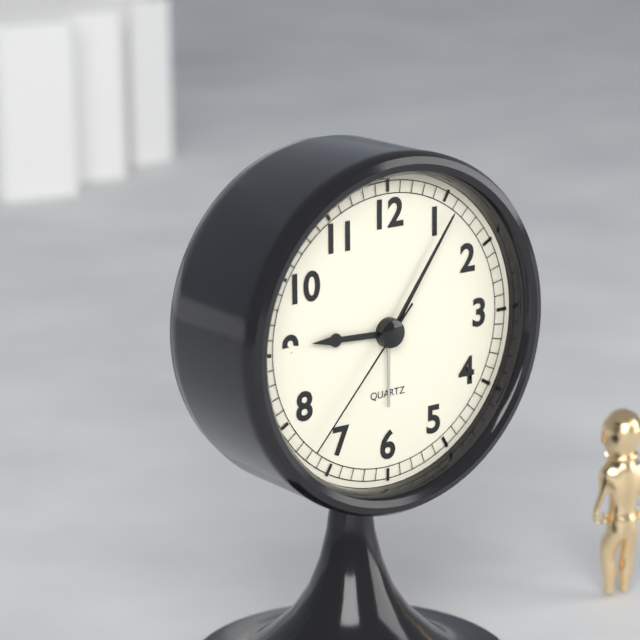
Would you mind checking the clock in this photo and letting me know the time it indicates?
9:06:37
